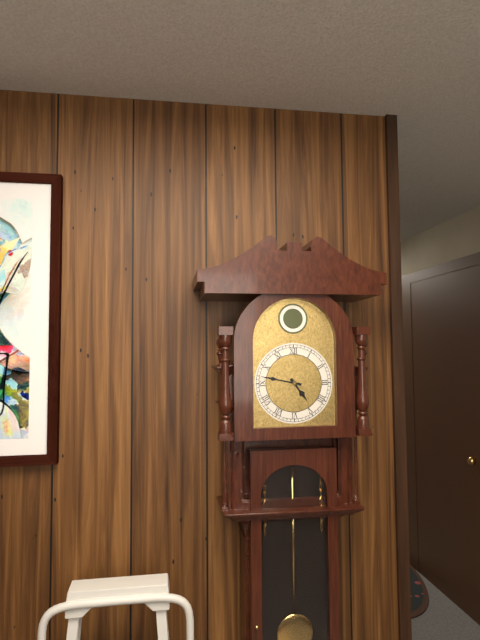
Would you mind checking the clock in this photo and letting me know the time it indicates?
4:47
